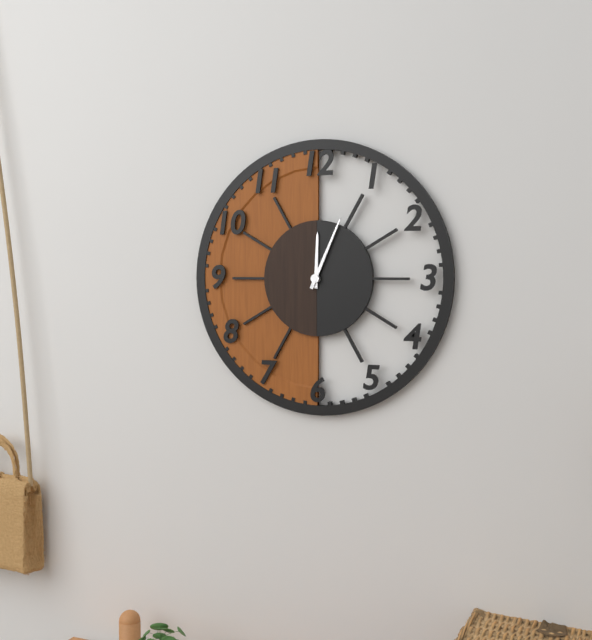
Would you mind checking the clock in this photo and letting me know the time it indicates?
12:04
